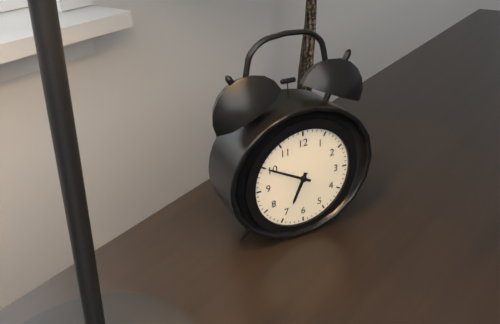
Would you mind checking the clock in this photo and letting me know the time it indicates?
6:50
